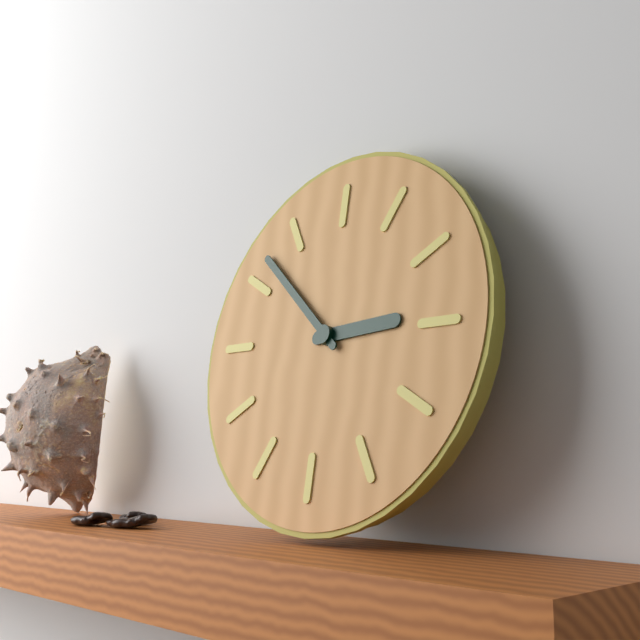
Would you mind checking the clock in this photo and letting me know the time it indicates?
2:52
